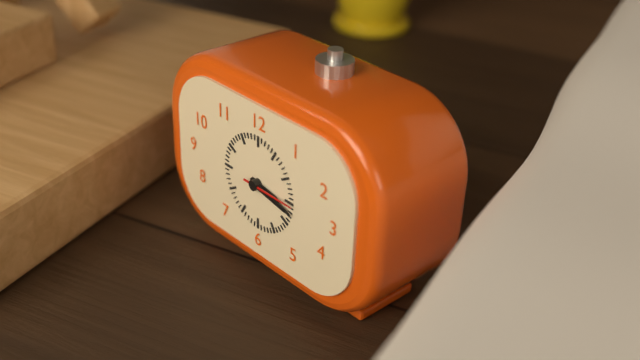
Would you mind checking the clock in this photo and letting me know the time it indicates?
3:17:15
